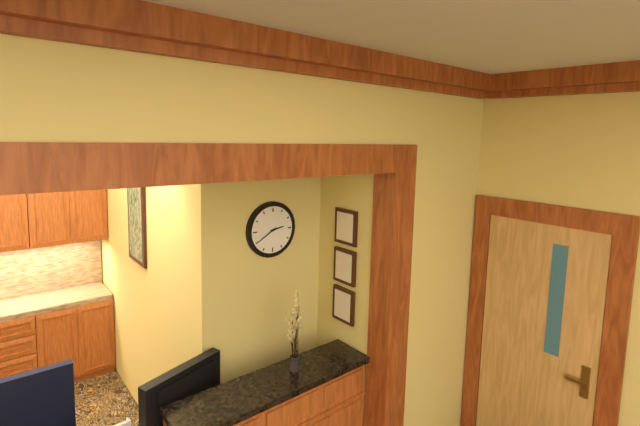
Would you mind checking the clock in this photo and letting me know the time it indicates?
2:40
